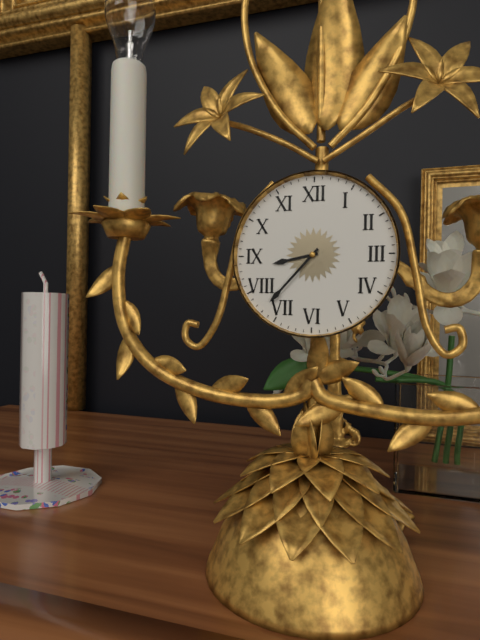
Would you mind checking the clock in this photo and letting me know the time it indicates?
8:37
